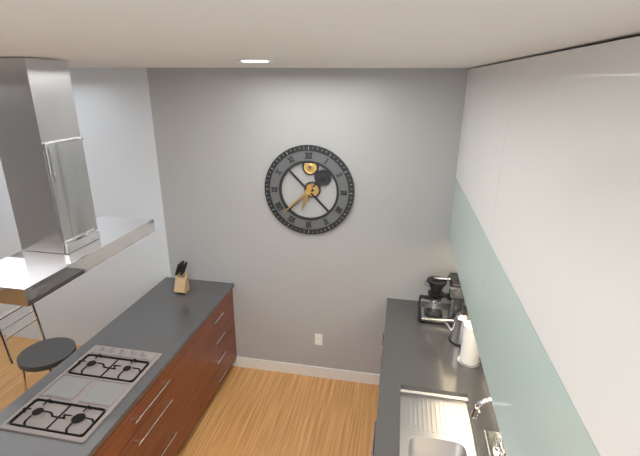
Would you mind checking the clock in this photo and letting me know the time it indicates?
6:38
